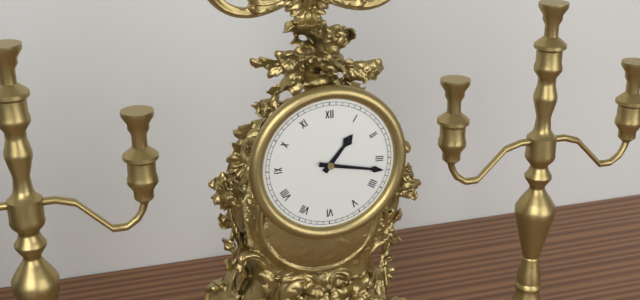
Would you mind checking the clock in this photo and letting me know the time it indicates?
1:17
